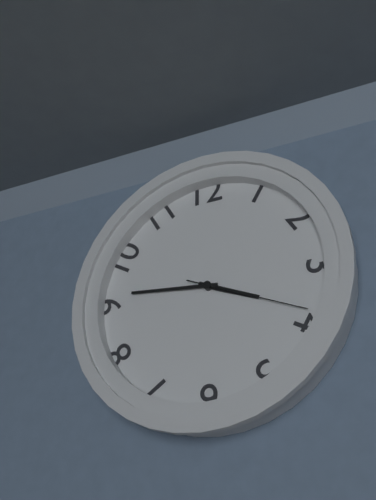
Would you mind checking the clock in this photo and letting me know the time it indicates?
3:46:19
